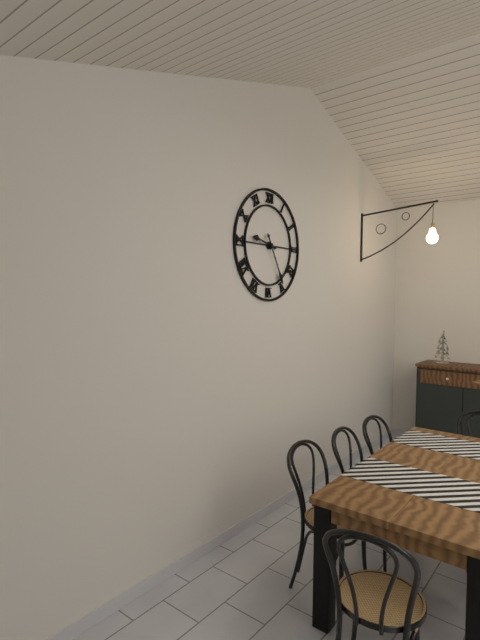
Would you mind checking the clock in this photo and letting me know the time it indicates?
9:25
